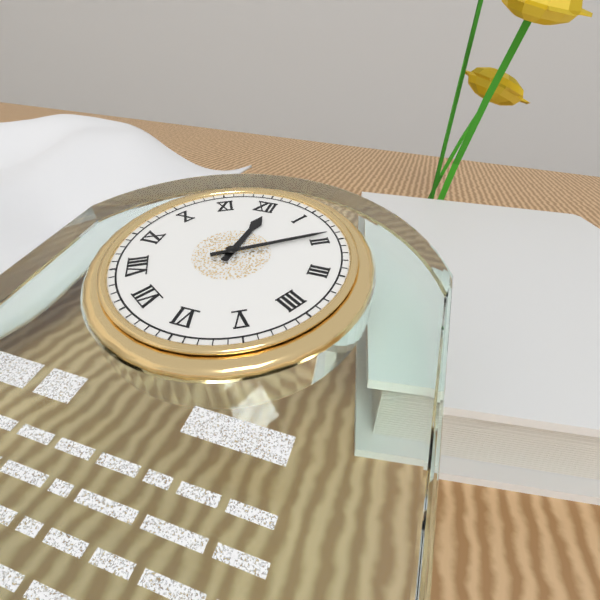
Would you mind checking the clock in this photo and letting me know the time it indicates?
12:09
